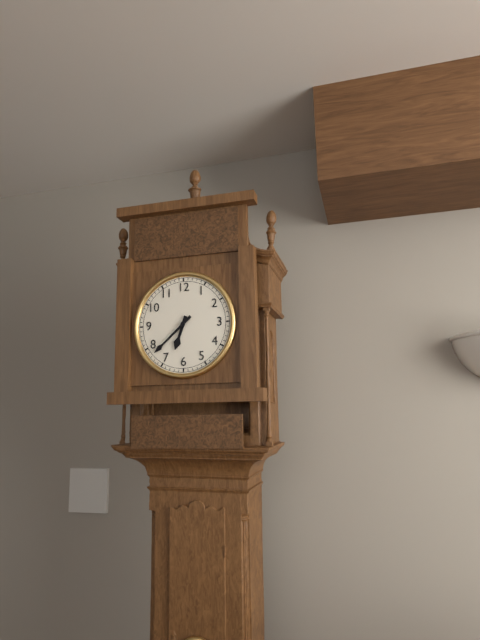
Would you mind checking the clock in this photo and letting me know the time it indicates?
6:38
